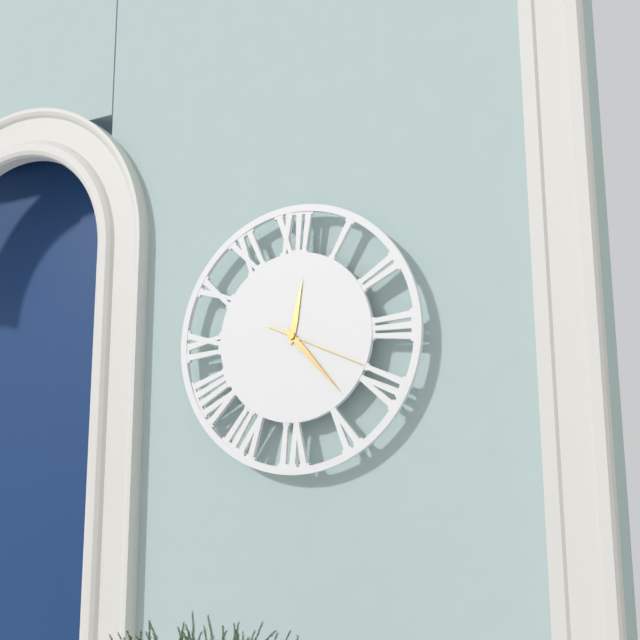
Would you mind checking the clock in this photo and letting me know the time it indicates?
12:23:19
